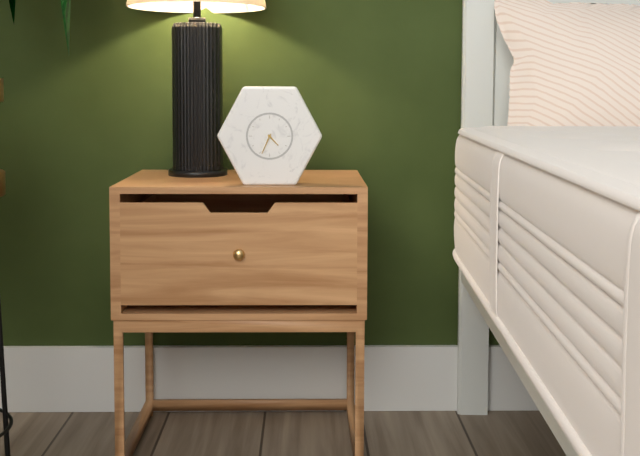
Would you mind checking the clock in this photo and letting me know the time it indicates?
4:34
